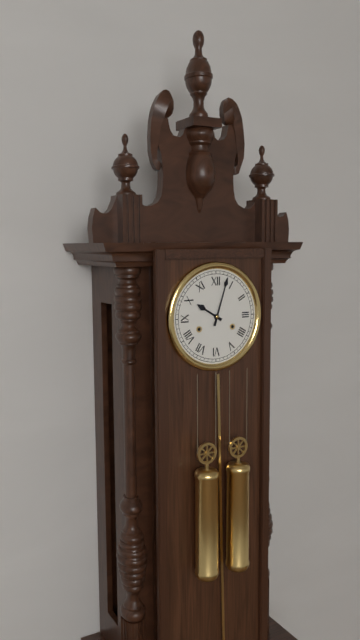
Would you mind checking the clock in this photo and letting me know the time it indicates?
10:03
